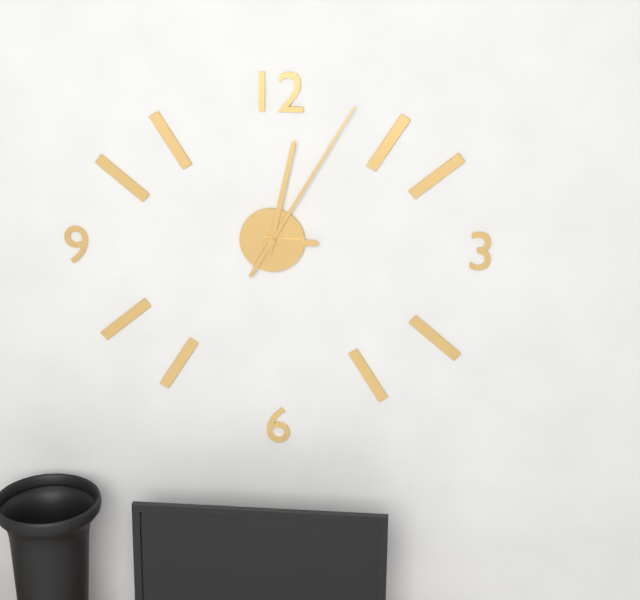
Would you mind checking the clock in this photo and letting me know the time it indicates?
3:02:05
